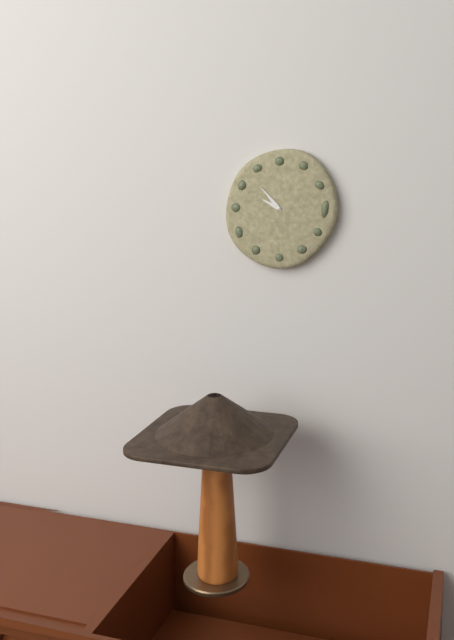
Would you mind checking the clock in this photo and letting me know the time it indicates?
9:53
